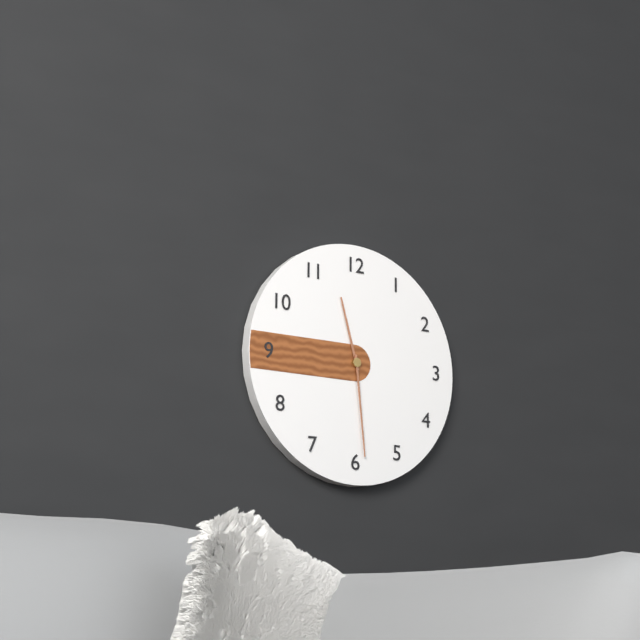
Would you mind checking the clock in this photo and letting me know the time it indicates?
11:29
